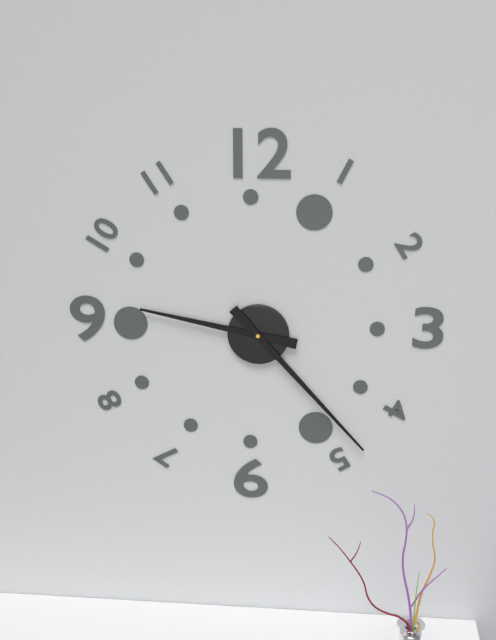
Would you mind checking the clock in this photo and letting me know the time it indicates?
9:23
